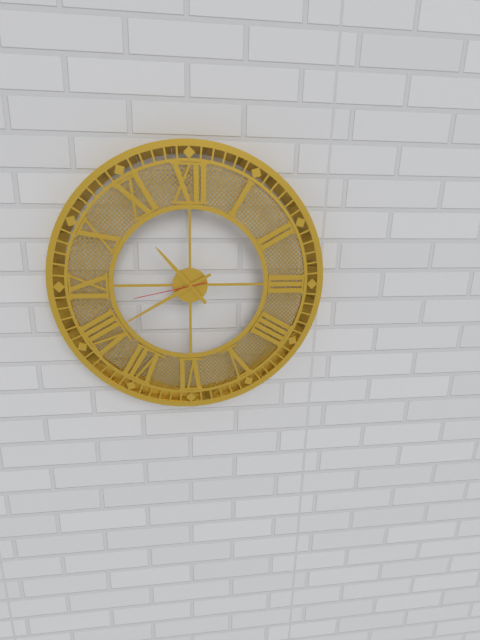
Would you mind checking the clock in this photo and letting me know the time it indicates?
10:40:43
